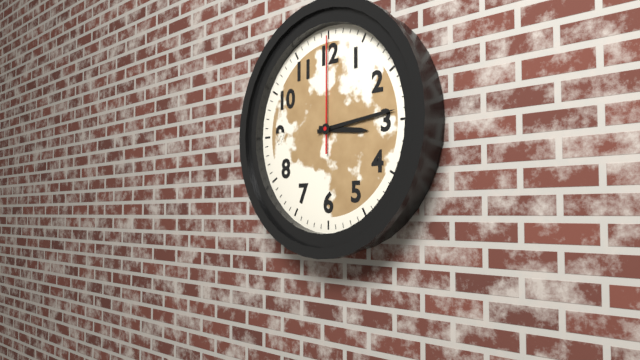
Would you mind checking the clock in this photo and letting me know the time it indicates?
3:14:00
